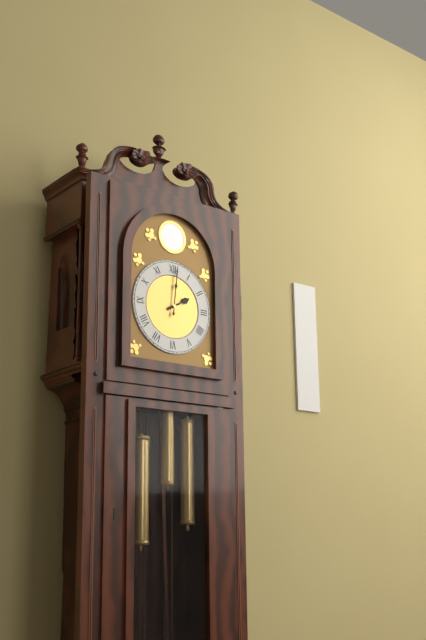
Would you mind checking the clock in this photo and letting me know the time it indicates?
2:01
